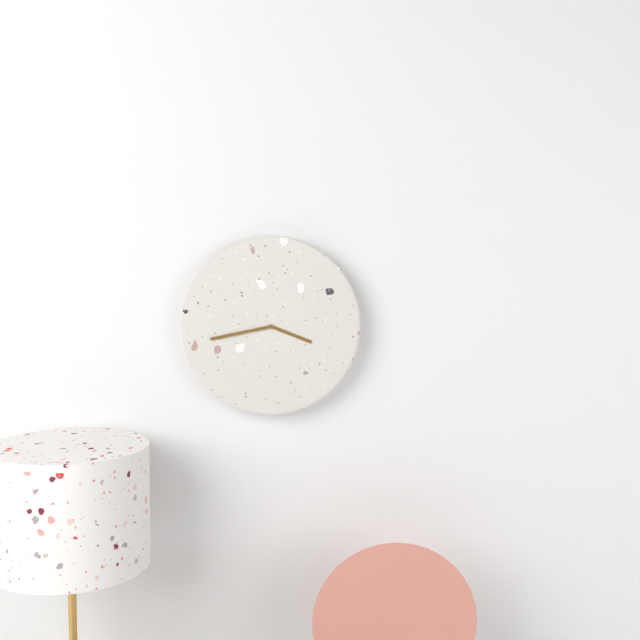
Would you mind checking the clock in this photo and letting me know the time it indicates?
3:43
